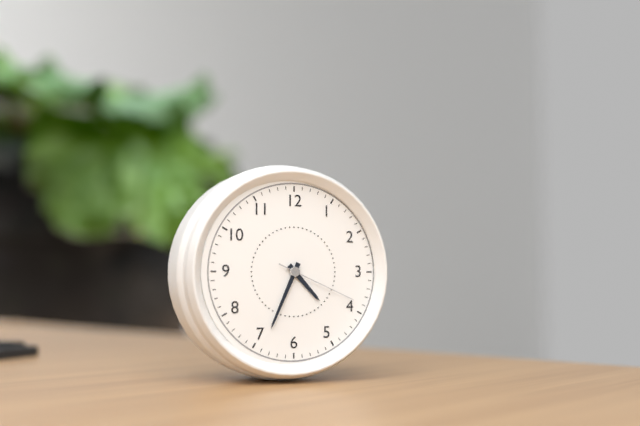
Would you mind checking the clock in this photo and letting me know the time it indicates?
4:34:19
